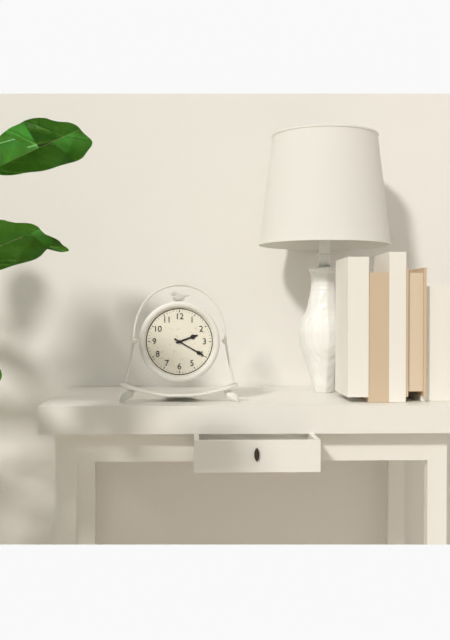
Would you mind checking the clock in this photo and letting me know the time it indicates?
2:20
